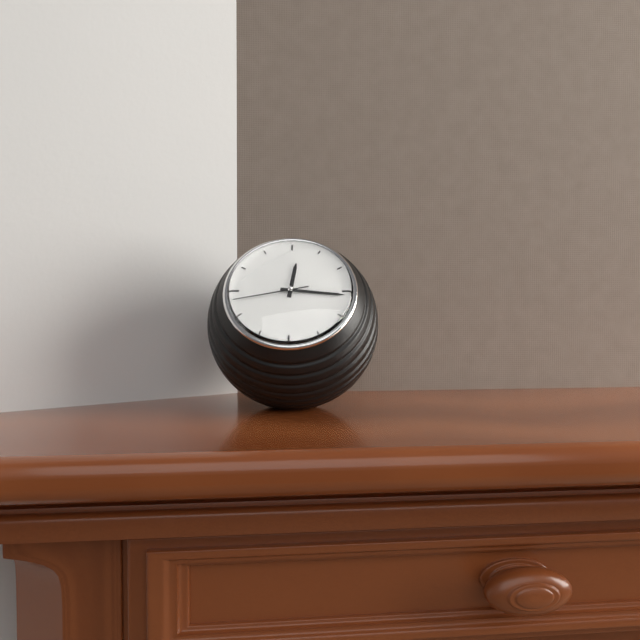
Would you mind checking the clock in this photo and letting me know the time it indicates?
12:16:43
